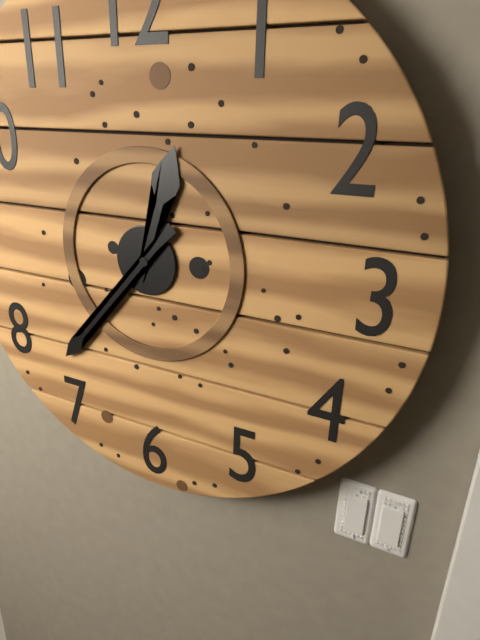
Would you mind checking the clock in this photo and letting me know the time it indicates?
12:37
